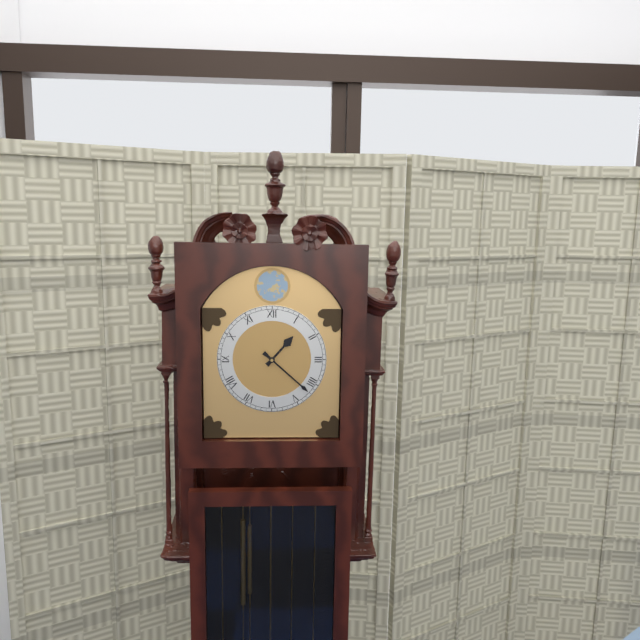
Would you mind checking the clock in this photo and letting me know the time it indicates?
1:22
